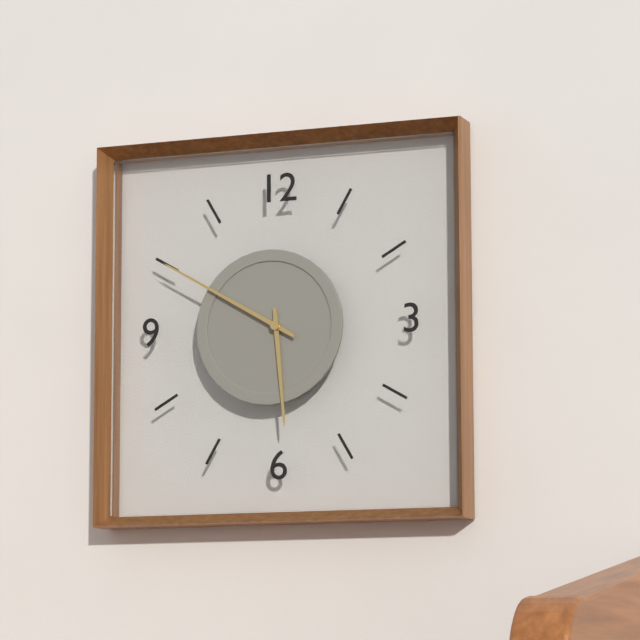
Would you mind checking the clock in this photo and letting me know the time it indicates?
5:50
